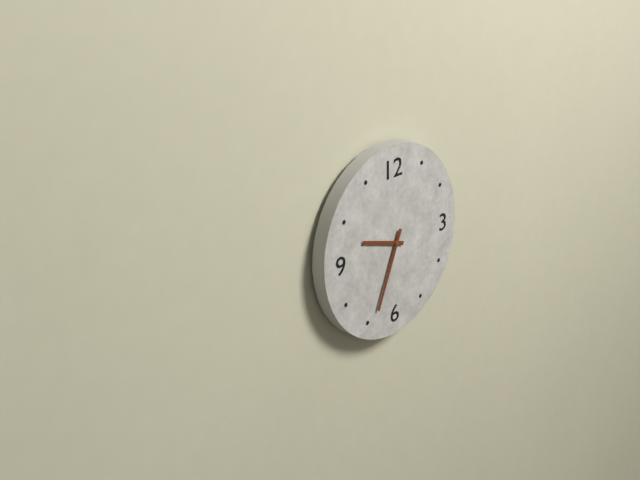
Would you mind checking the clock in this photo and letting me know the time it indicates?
9:34
